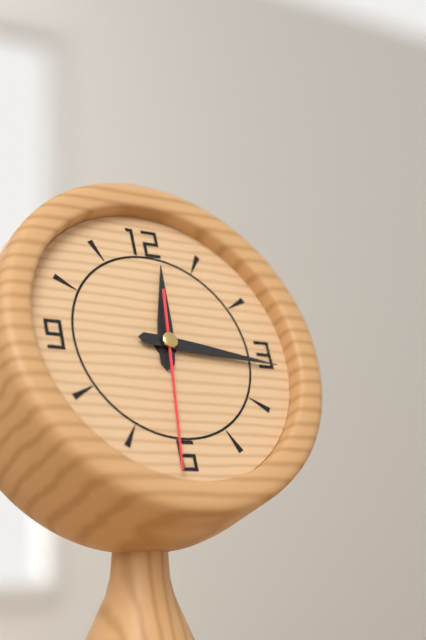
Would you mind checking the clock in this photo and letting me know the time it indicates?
12:16:31
